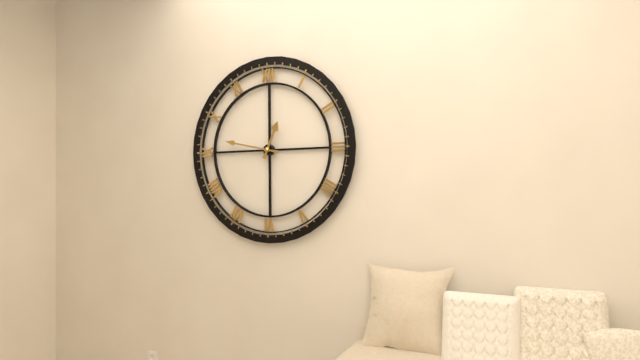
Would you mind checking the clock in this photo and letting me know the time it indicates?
12:47
